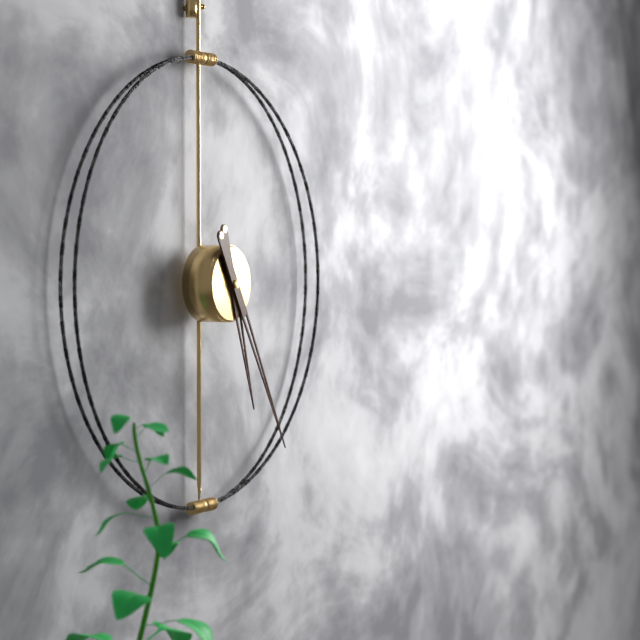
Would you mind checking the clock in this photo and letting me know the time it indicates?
5:25
